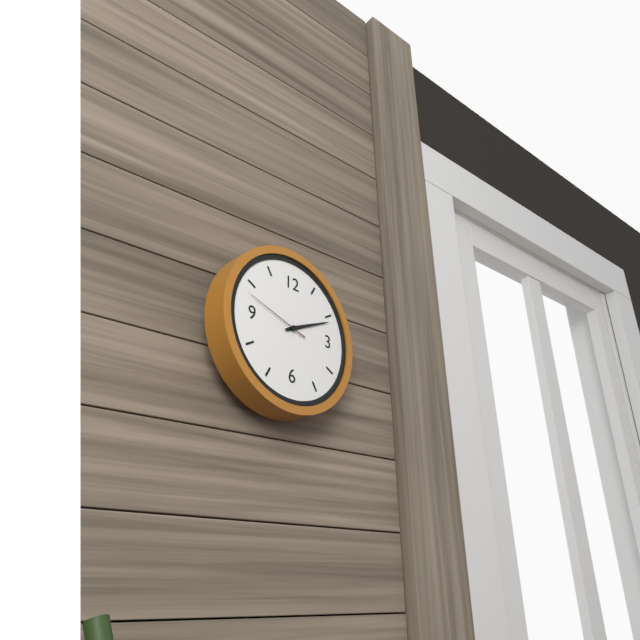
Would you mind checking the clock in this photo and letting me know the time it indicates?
2:11:48
